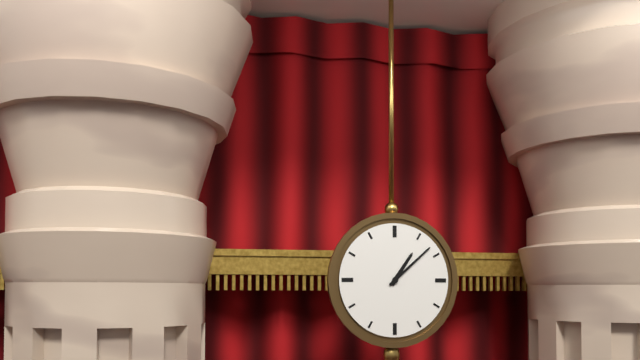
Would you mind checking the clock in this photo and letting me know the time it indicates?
1:08
